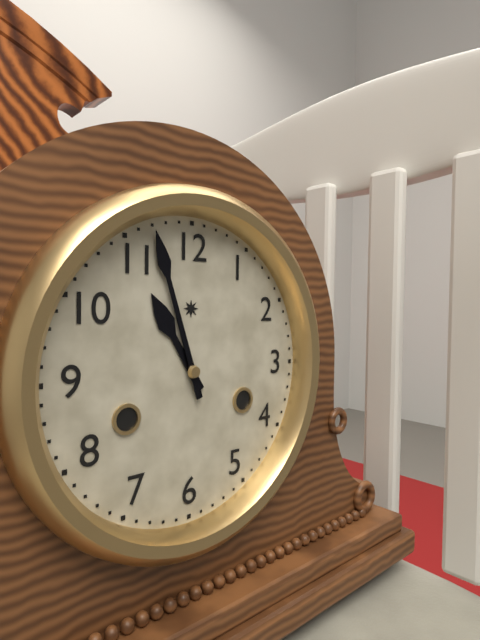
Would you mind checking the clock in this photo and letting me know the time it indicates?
10:57
